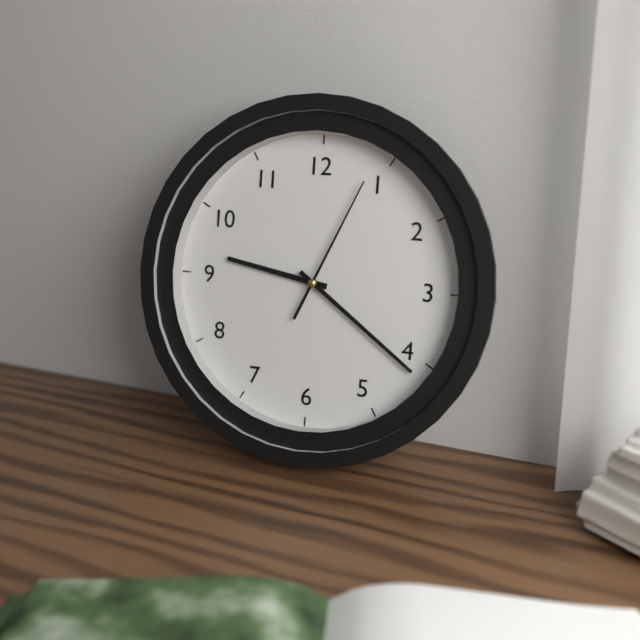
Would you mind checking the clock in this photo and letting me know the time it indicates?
9:21:04
